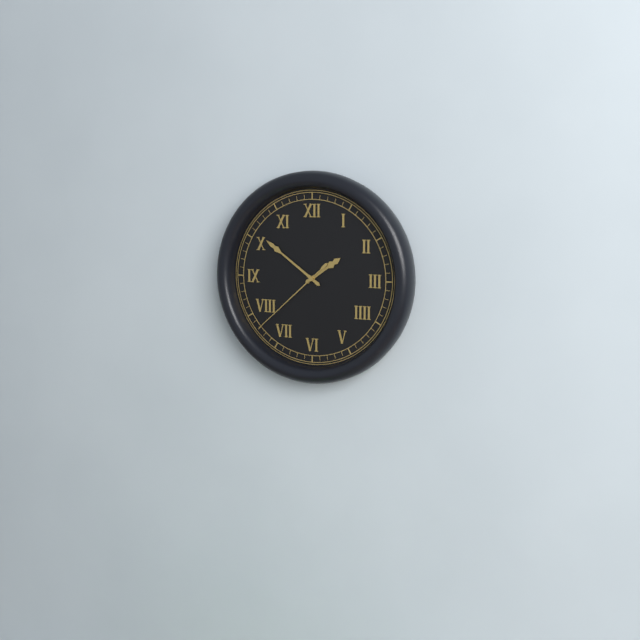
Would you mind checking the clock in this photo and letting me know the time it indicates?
1:51:38
